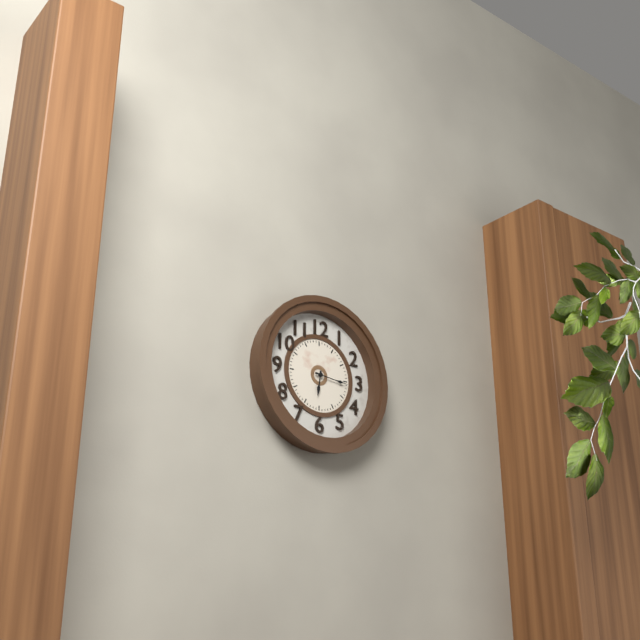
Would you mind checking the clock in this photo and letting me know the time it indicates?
6:16
